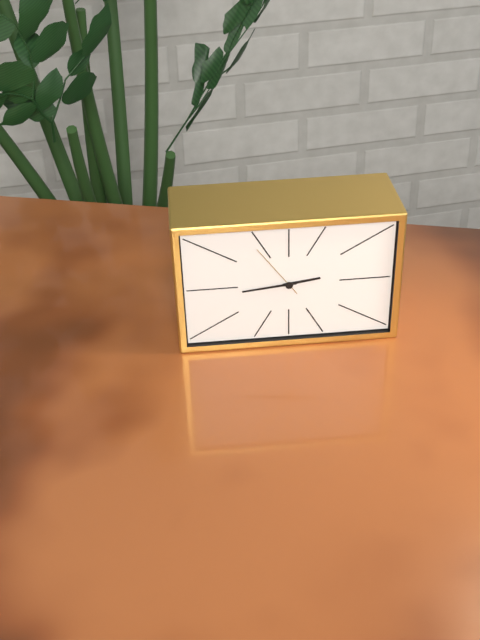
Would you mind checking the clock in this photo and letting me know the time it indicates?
2:44:54
